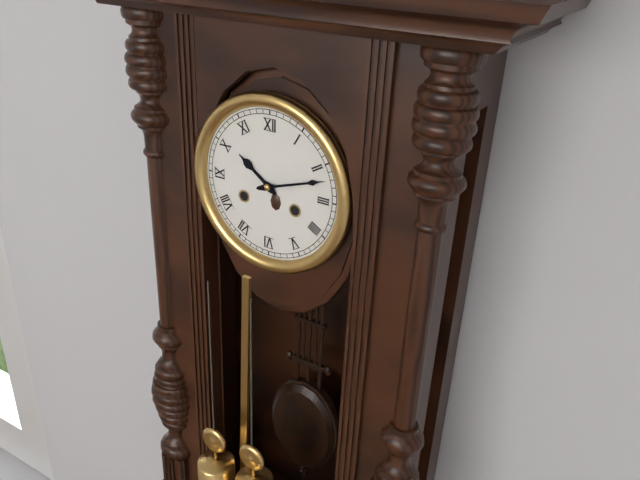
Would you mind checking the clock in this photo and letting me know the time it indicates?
10:12
